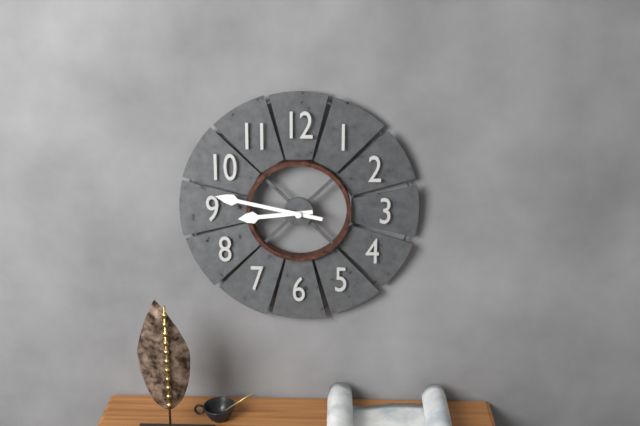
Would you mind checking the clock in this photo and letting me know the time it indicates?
8:47
